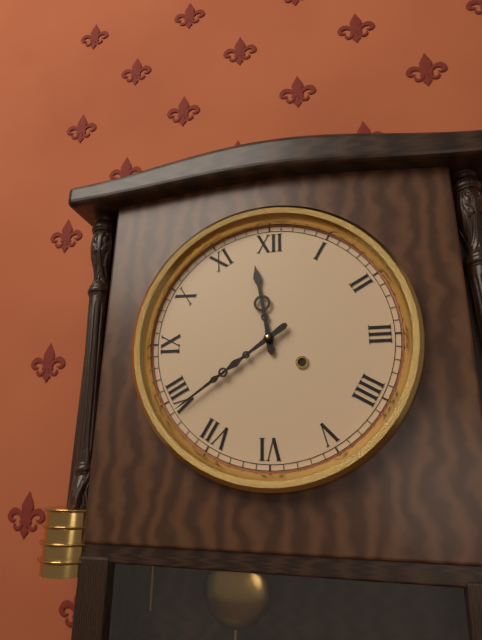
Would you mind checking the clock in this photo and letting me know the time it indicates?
11:39
